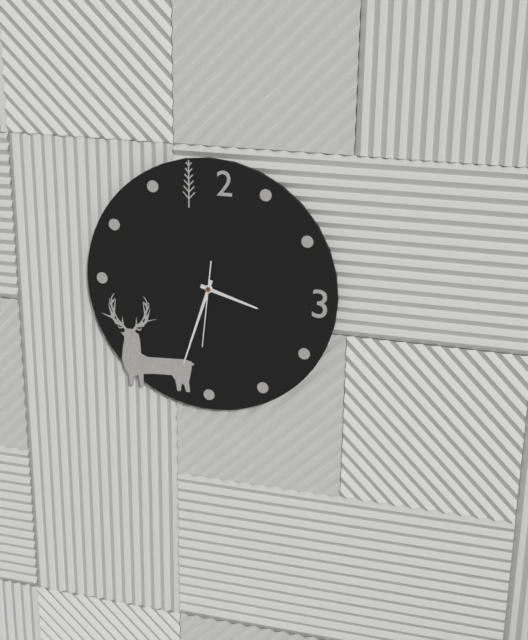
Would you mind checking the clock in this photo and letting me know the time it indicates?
3:33:31
